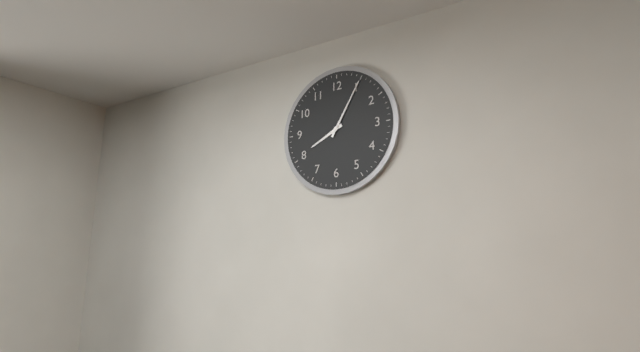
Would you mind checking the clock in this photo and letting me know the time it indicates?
8:05
